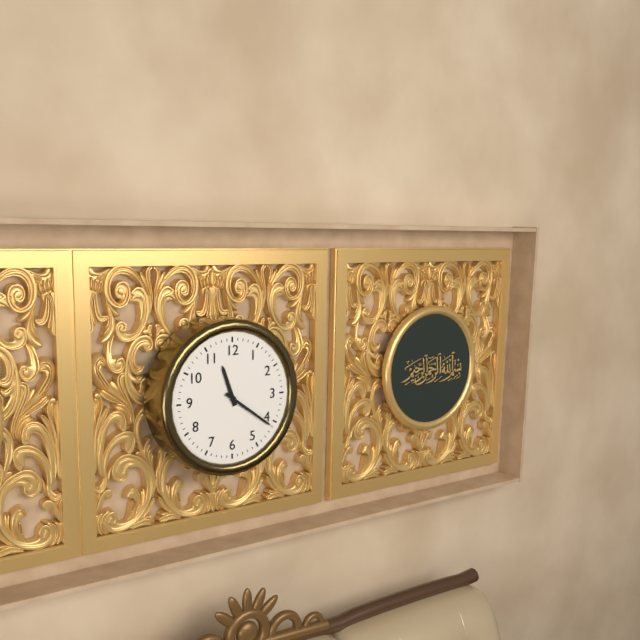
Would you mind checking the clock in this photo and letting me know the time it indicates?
11:21
